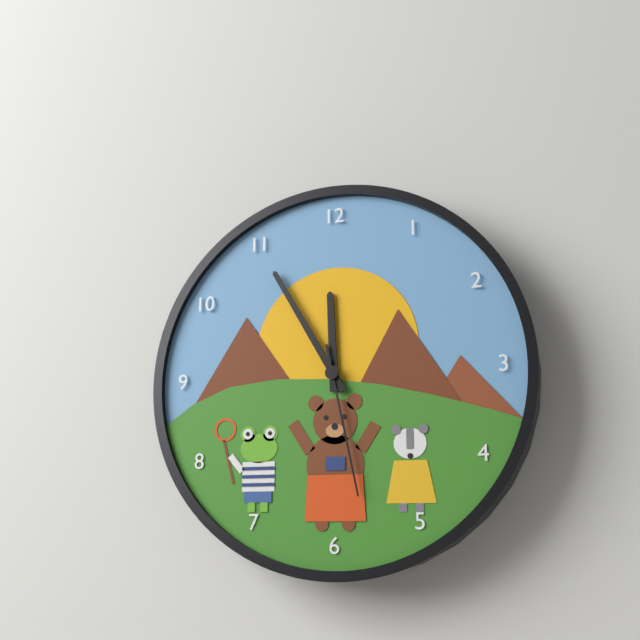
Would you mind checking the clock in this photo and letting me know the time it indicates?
11:55:28
